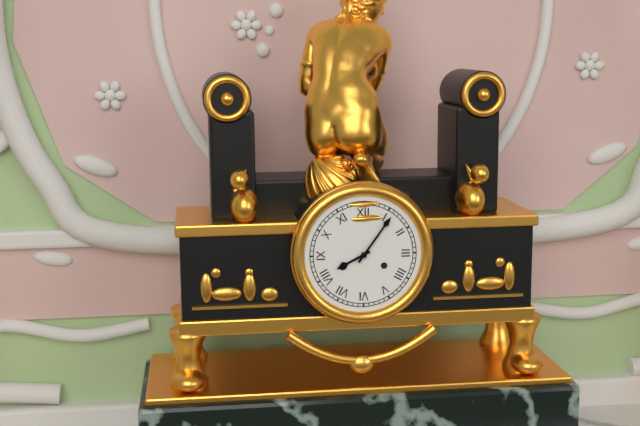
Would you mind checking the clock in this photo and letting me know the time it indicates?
8:06
